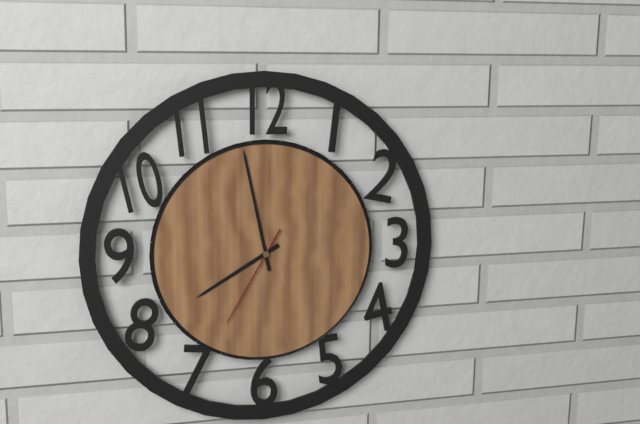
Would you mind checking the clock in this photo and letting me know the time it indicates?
7:58:35
